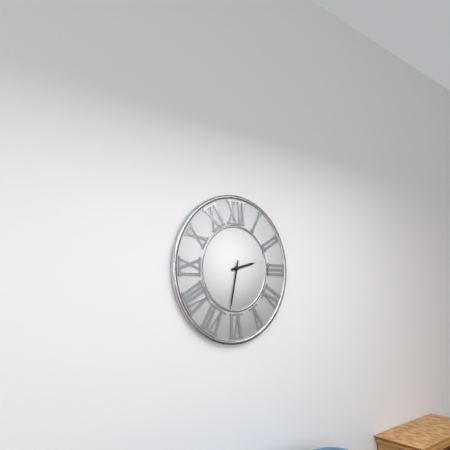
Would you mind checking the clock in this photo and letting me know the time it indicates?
2:32
